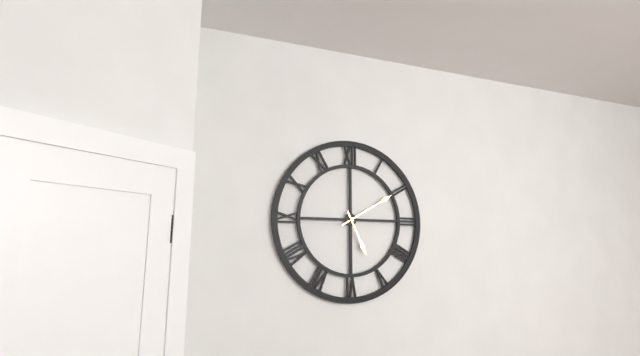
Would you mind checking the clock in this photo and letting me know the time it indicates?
5:10
